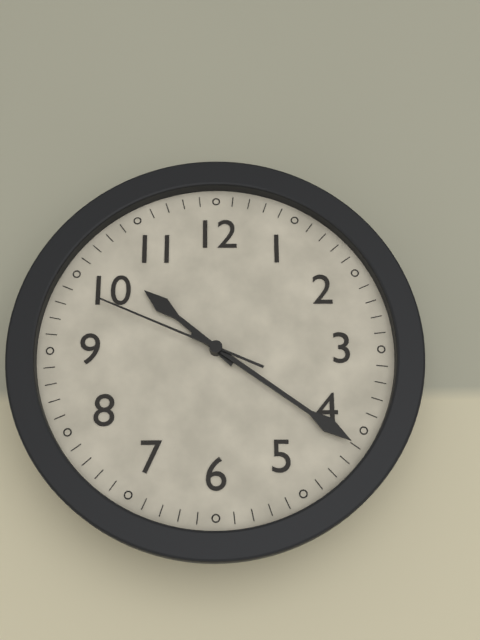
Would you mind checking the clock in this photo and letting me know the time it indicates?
10:21:49
